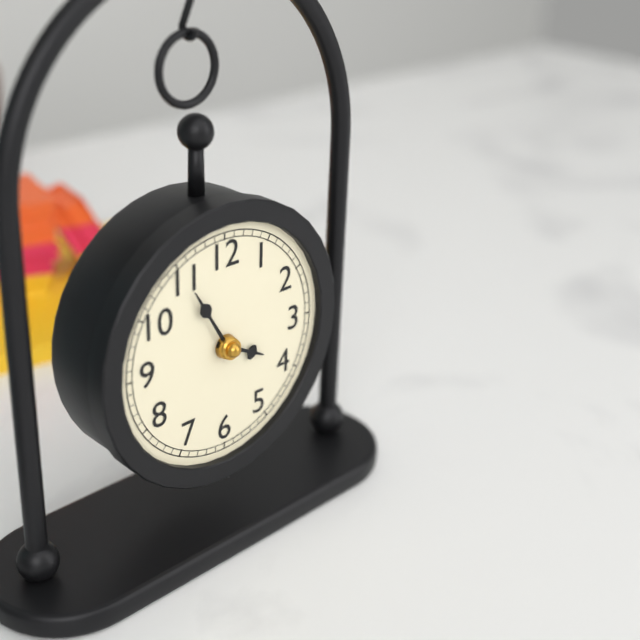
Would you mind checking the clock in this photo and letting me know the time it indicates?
3:55
